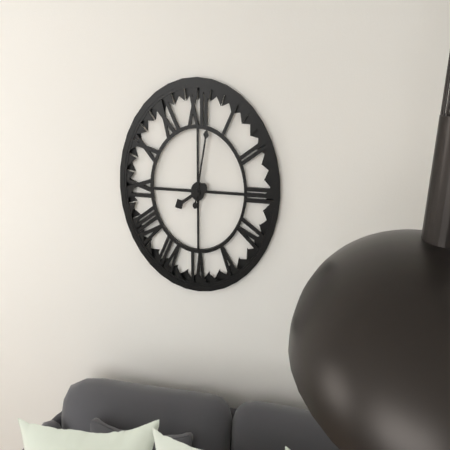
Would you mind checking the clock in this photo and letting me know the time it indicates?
8:02
